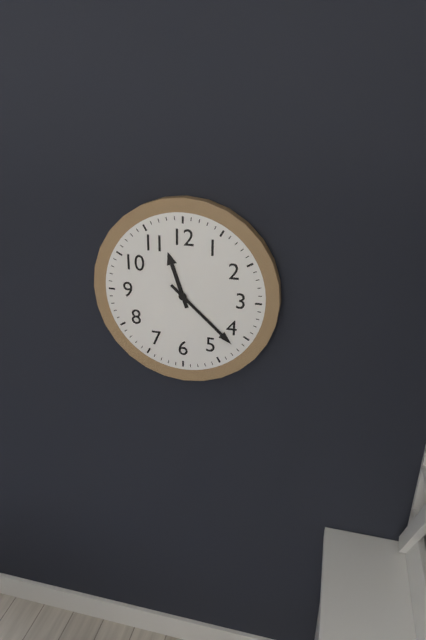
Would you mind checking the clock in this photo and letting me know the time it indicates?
11:22
